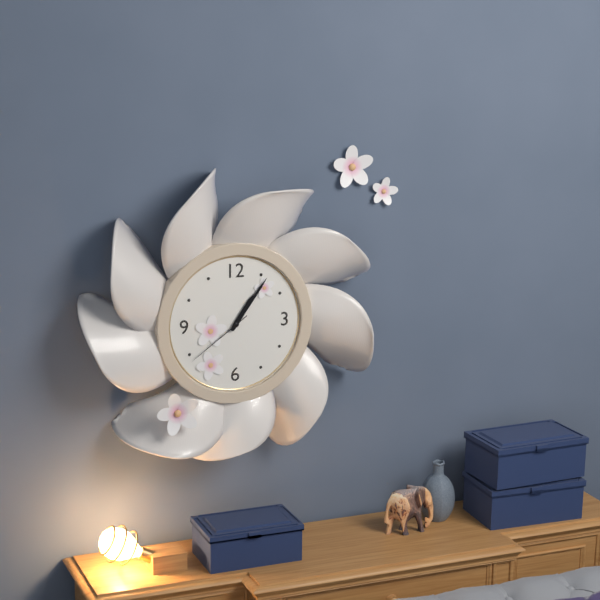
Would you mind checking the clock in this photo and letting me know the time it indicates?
1:06:39
